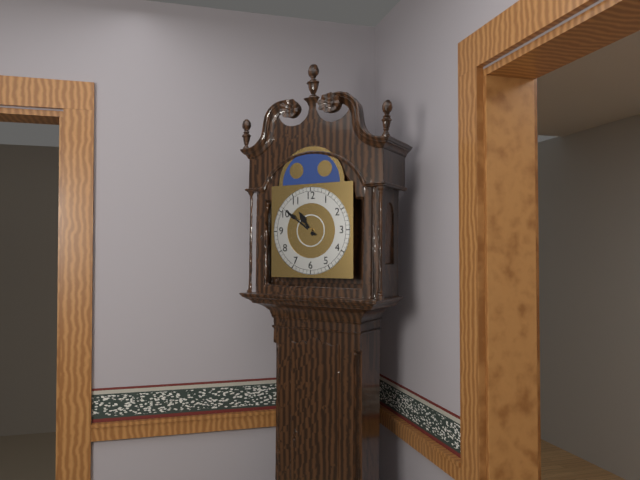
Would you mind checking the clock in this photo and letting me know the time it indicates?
10:51
